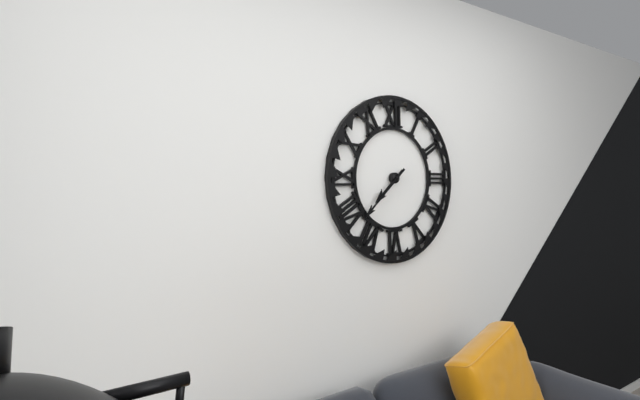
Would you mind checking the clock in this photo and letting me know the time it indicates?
7:38
